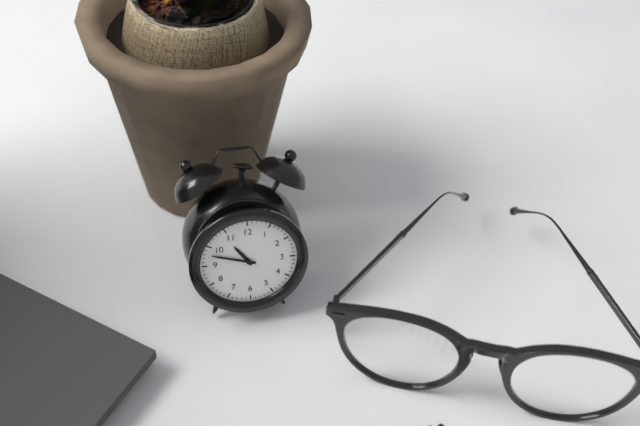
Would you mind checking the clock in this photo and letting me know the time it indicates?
10:48
